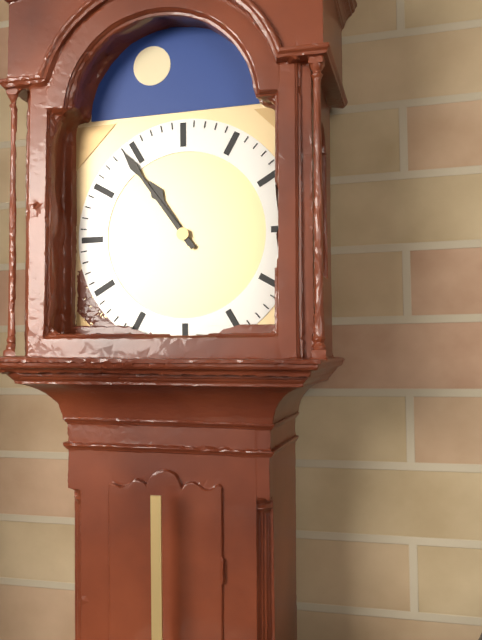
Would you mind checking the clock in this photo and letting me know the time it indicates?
10:54
